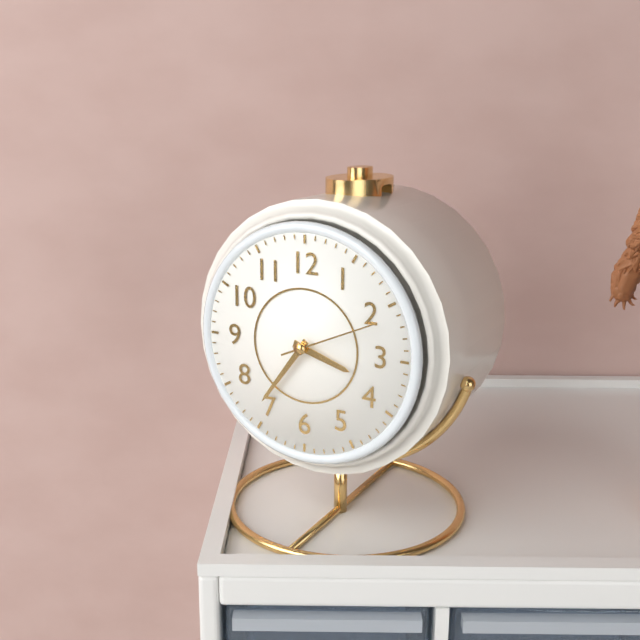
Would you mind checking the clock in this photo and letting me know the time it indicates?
3:36:11
